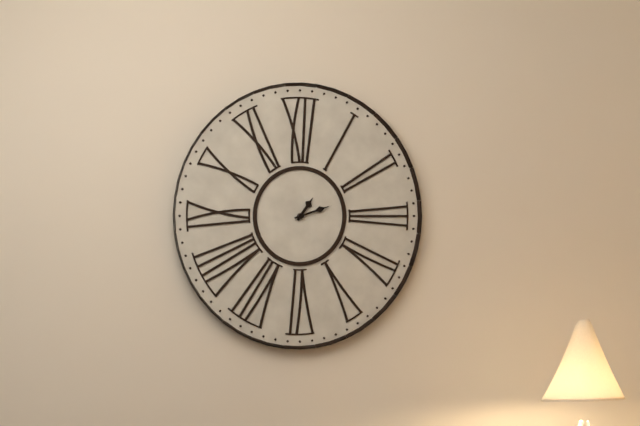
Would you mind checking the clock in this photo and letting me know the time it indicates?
1:12
